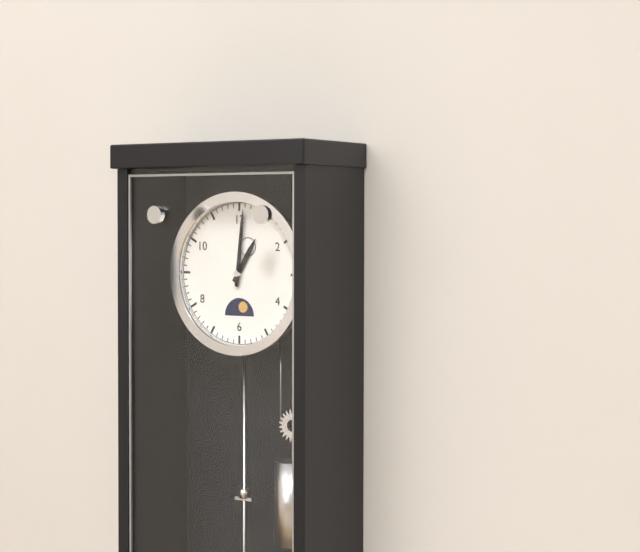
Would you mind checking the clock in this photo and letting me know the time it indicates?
1:01
